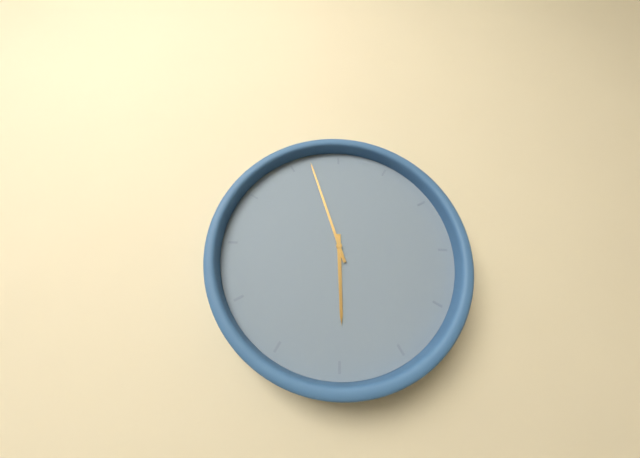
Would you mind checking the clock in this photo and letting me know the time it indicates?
5:57
